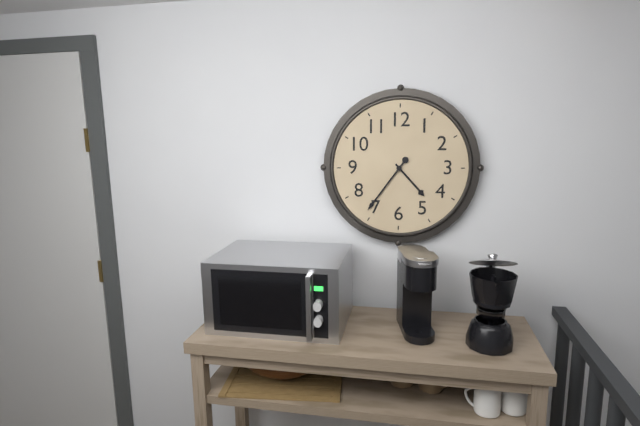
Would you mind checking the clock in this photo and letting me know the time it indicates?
4:36
